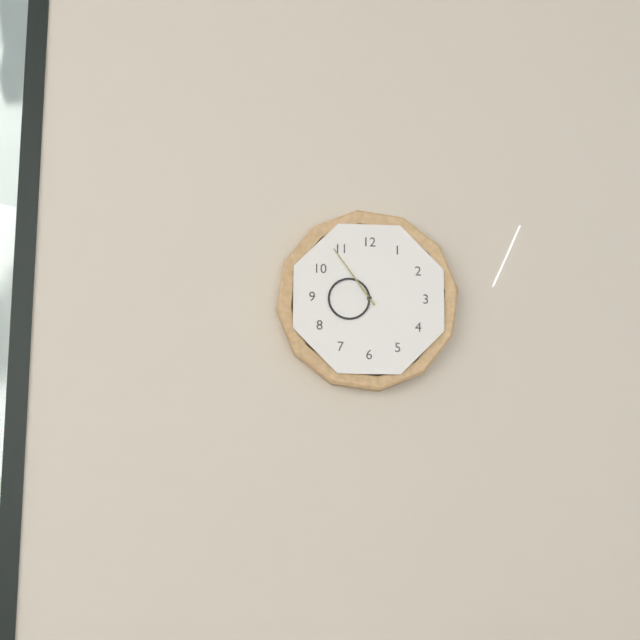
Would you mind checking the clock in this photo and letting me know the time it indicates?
8:54
